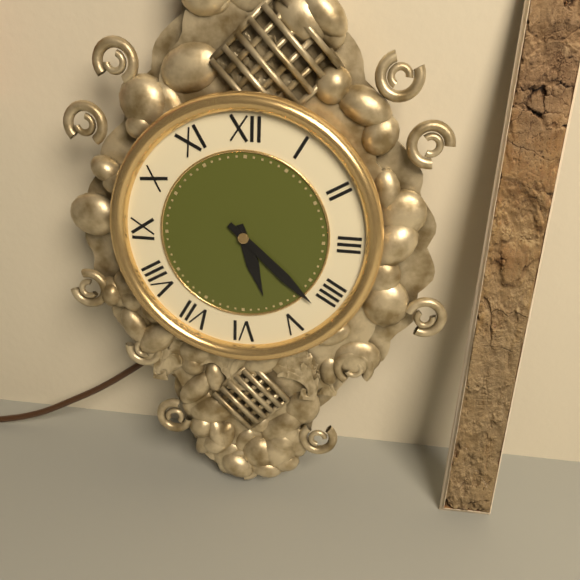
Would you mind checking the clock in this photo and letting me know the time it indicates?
5:22
